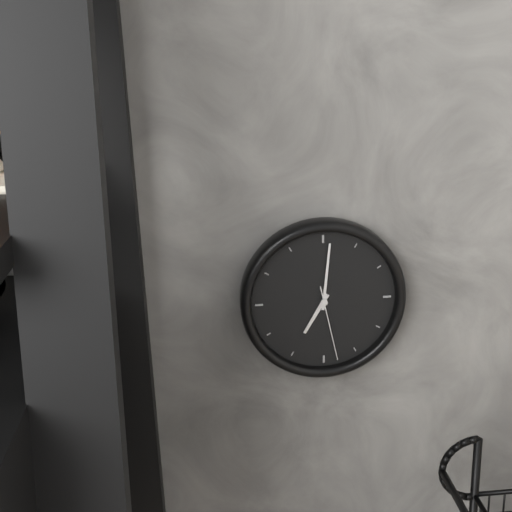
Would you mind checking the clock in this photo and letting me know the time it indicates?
7:01:28
